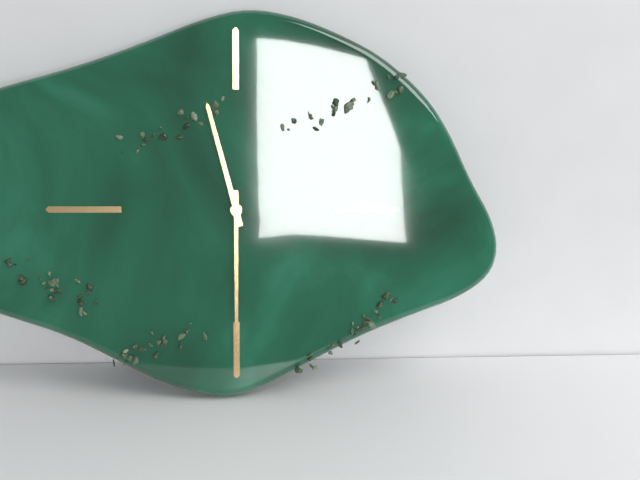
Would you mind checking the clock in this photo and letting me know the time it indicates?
11:30
